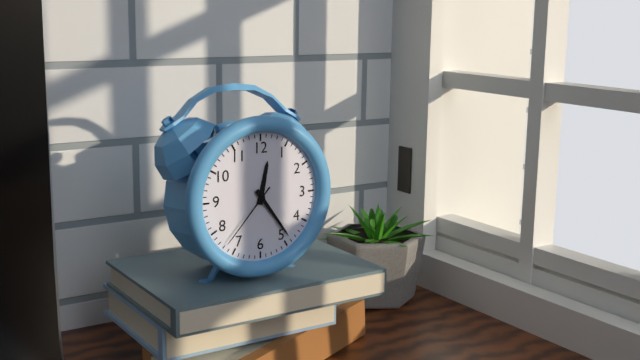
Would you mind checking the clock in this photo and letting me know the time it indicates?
12:24:37
